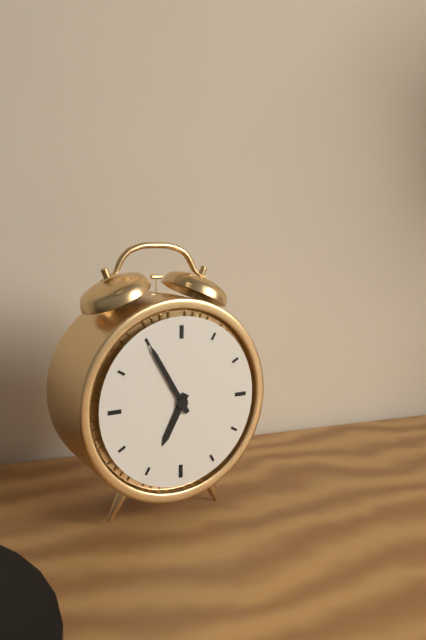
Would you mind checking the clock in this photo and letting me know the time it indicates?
6:55
